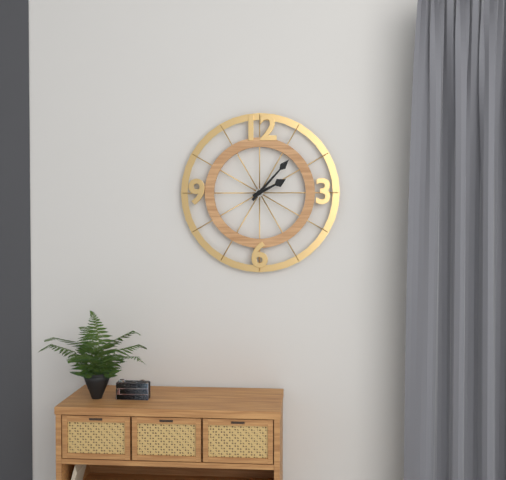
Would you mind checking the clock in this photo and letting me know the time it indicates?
2:07
